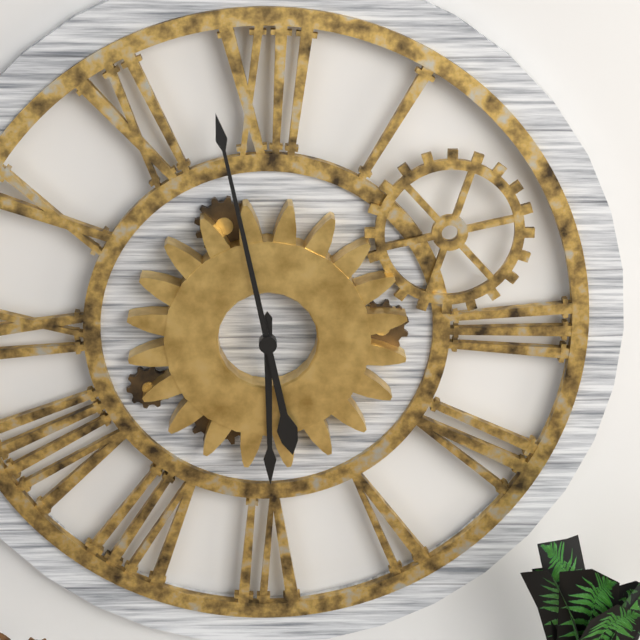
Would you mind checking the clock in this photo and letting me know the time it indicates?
5:58
